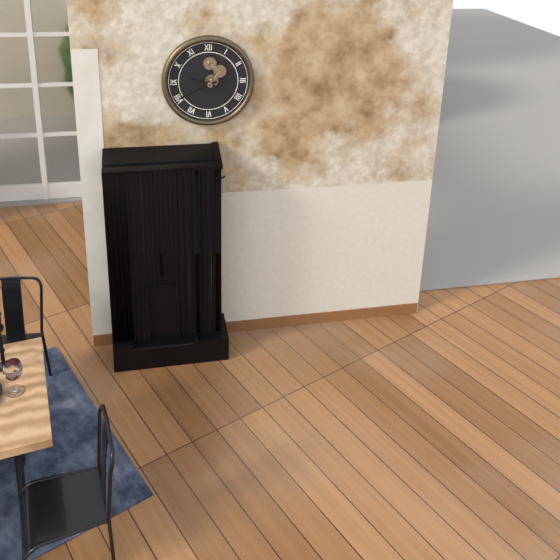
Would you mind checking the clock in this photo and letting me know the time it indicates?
9:41
